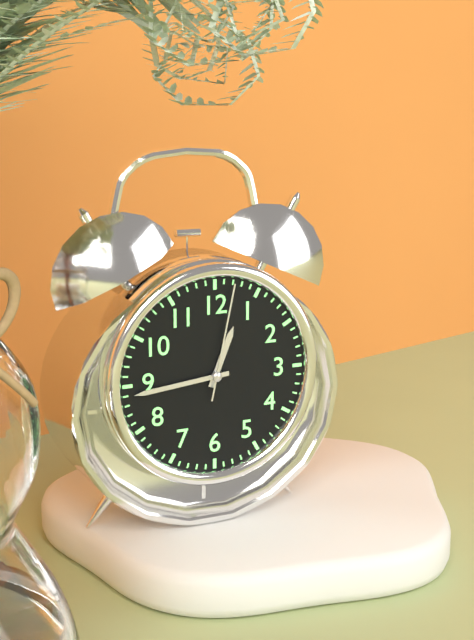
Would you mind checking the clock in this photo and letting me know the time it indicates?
12:44:02
